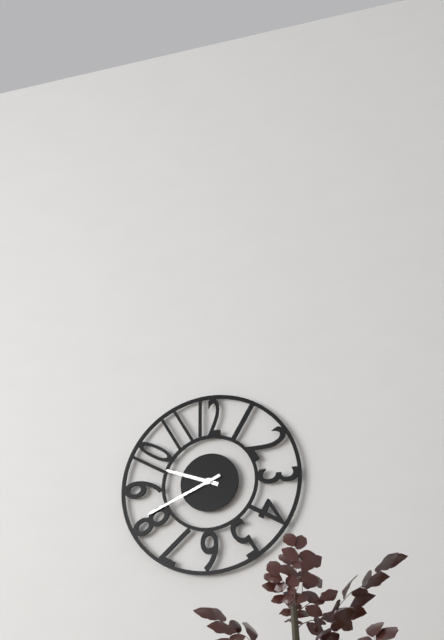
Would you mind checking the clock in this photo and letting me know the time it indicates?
9:41
